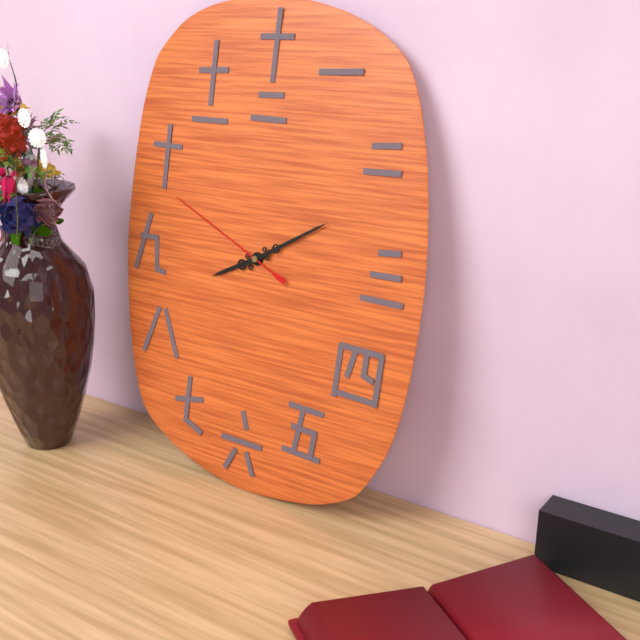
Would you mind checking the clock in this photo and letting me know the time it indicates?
8:10:49
